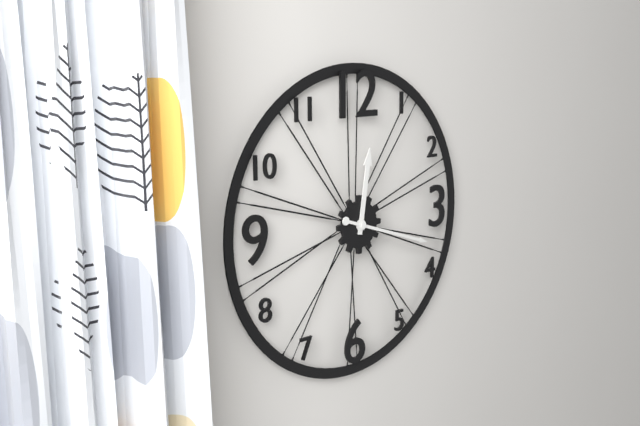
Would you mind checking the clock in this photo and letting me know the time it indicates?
12:18
